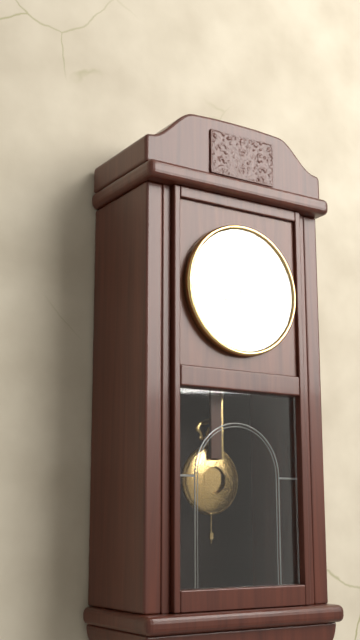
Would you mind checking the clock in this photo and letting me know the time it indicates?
2:17
